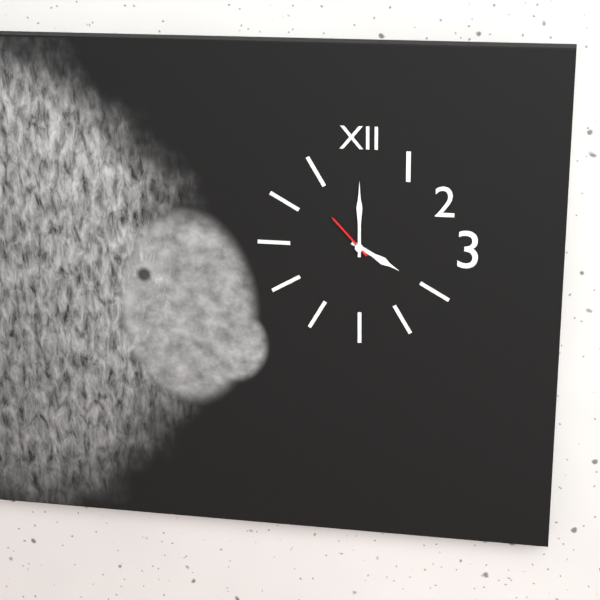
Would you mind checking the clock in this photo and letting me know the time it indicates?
4:00:53
